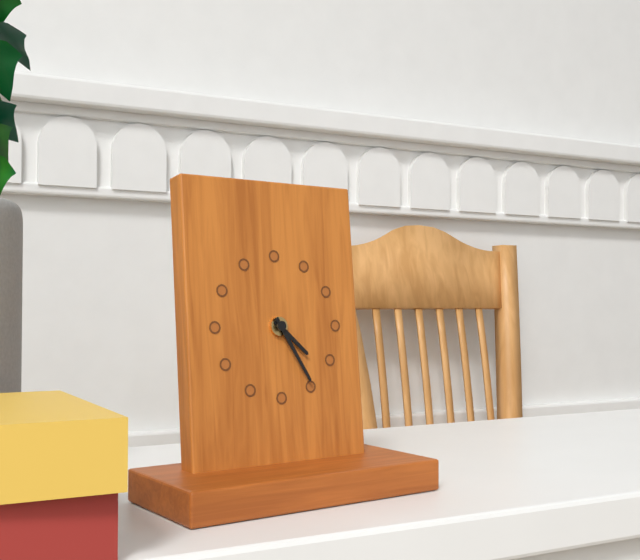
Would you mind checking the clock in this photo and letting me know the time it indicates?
4:25
